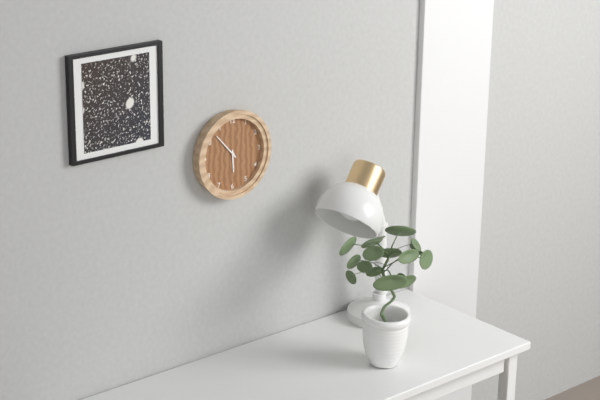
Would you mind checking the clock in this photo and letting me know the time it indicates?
5:53
